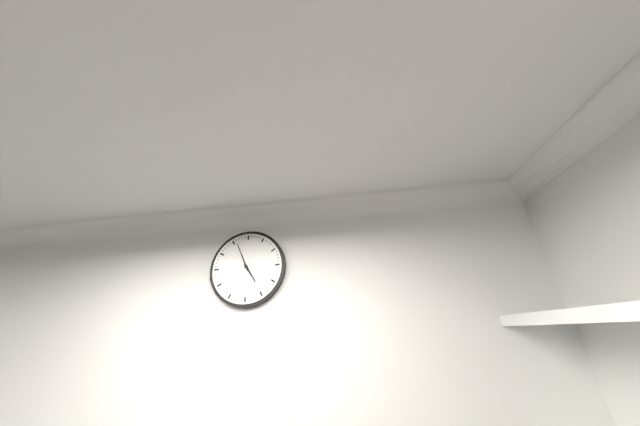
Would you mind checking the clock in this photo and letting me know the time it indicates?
4:56
